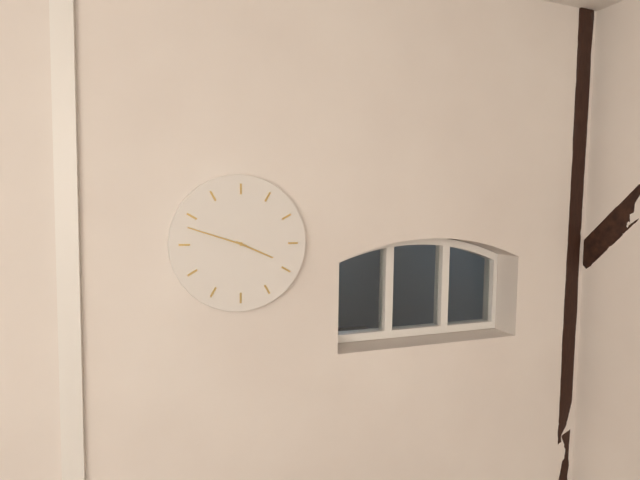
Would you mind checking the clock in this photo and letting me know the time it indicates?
3:48
